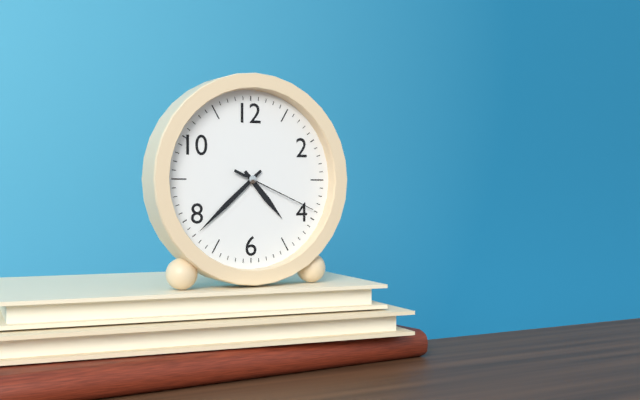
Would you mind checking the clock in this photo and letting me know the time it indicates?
4:38:19
